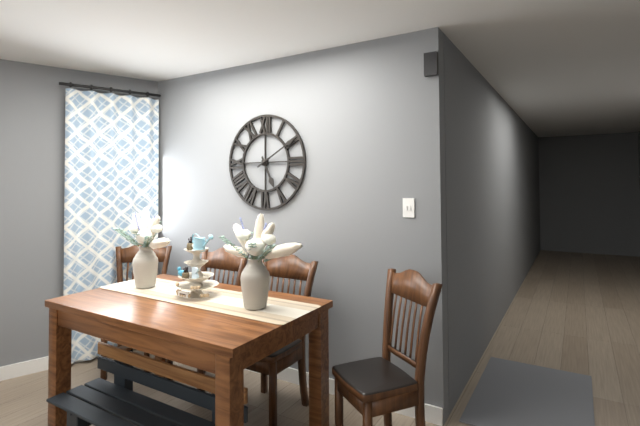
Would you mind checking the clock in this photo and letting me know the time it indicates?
5:10
